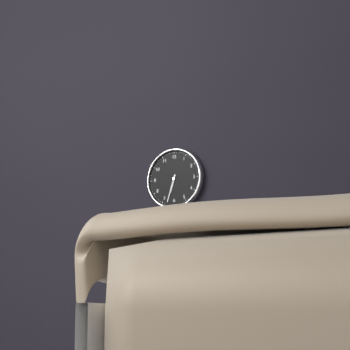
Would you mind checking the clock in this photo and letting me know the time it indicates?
6:33
